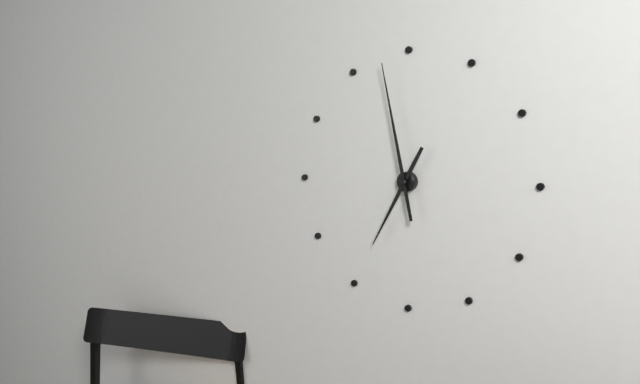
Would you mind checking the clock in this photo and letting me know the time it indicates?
6:58
